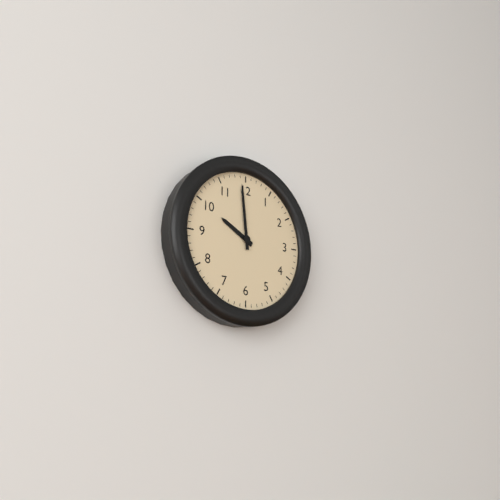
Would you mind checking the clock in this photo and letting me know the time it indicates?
9:59
